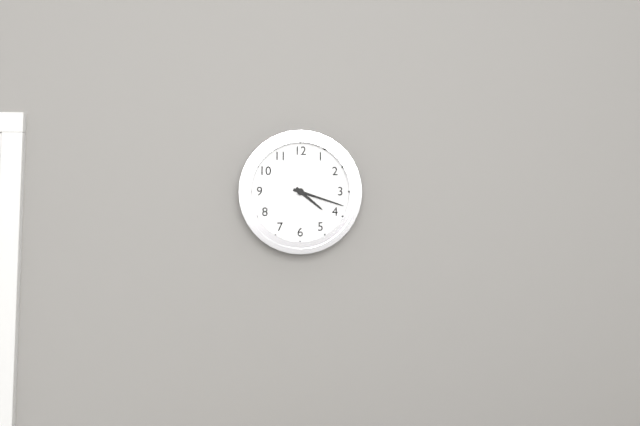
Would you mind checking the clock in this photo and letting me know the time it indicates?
4:18
